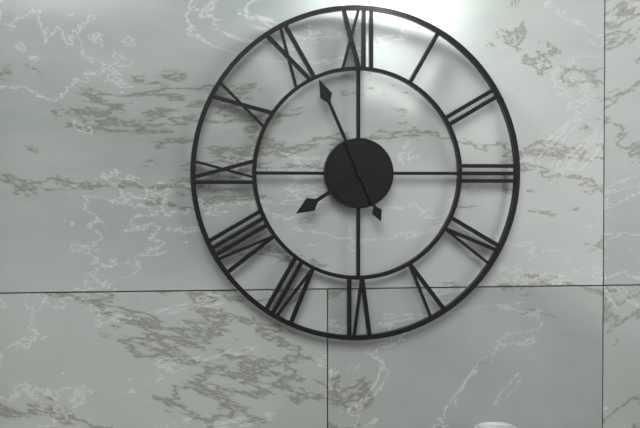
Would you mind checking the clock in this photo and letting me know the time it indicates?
7:56
